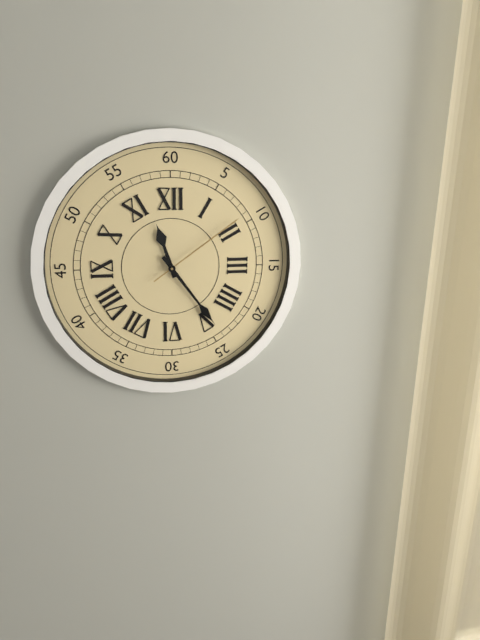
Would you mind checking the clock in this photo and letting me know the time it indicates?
11:24:09
